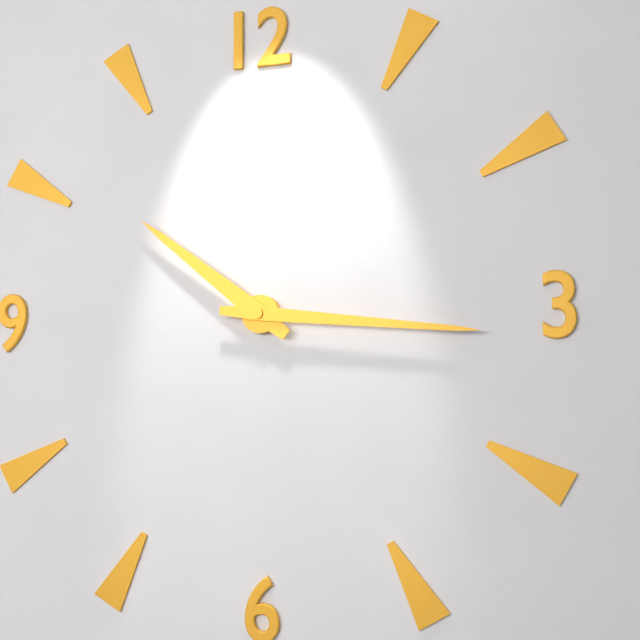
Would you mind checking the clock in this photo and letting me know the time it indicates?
10:16
